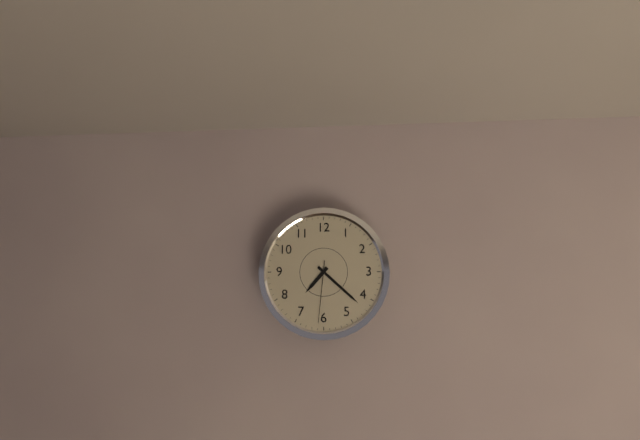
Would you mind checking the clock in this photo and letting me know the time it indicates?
7:22:31
